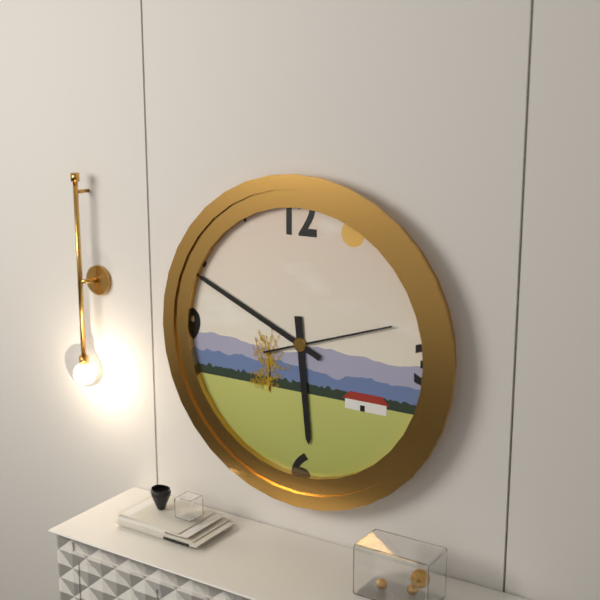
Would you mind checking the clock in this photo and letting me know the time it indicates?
5:49:12
